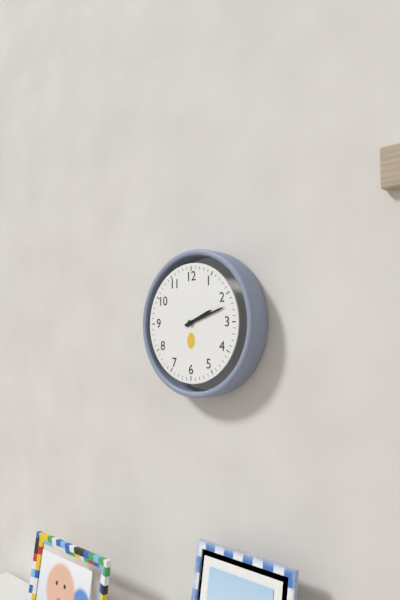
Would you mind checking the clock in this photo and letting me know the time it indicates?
2:12
